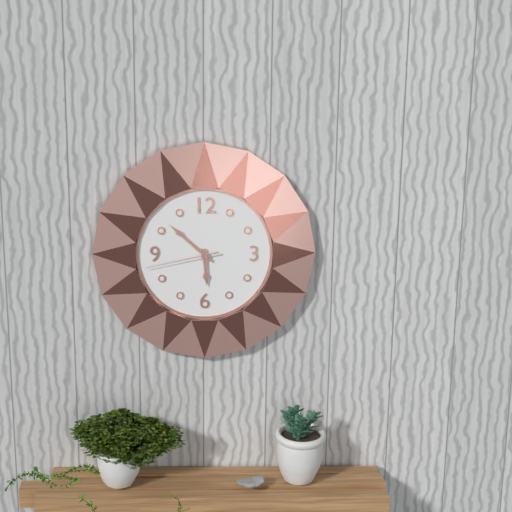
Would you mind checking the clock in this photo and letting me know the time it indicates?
5:52:43
